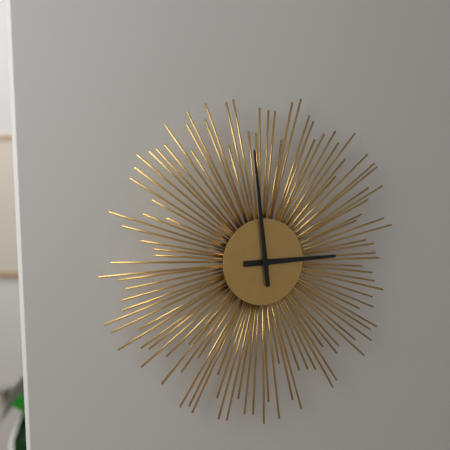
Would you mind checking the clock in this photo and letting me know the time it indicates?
2:59
